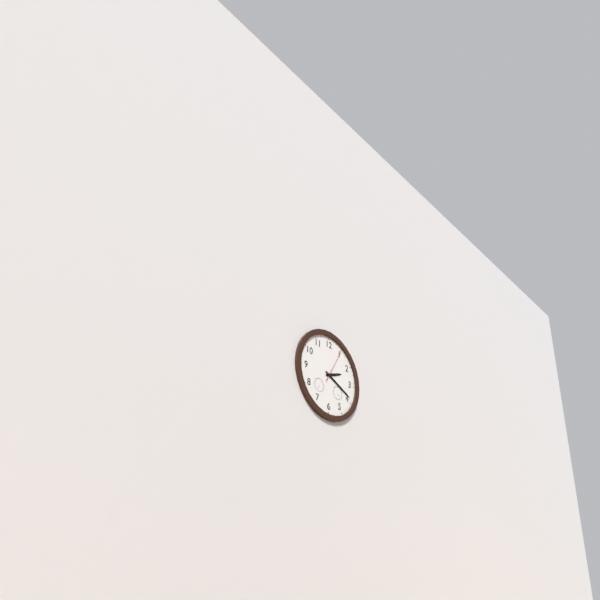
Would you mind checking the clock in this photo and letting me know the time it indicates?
2:19
